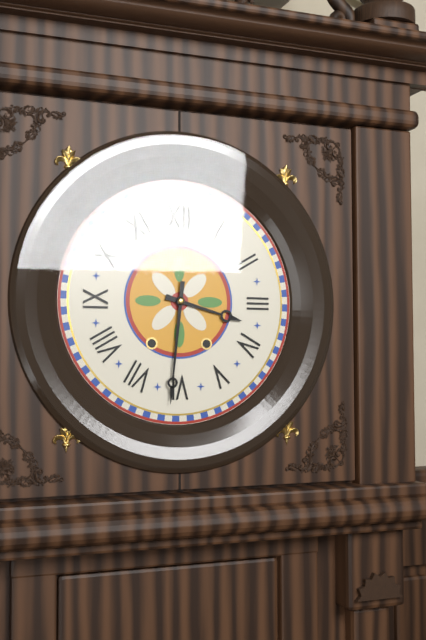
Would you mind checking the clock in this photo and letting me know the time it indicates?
3:31
